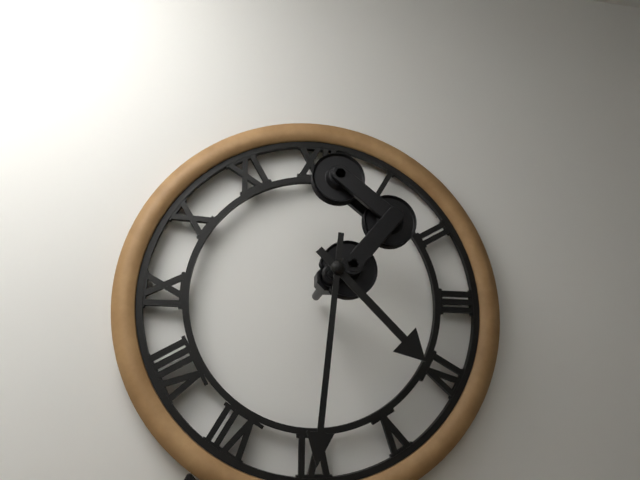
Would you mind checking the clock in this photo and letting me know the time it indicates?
4:31
